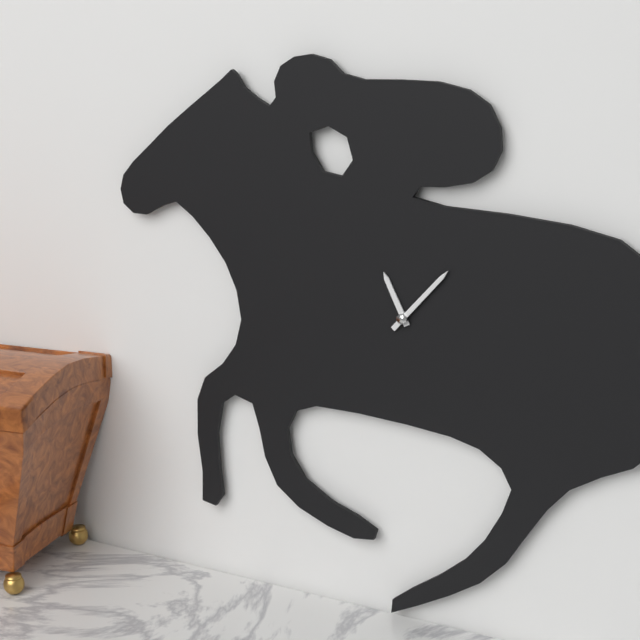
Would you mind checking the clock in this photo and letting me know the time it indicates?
11:07
